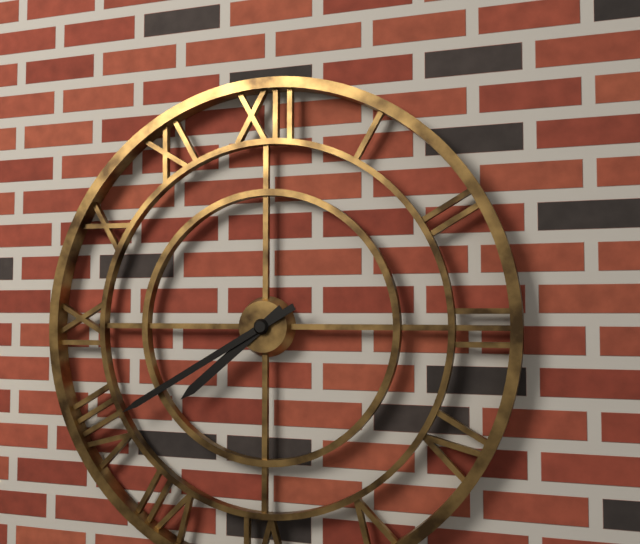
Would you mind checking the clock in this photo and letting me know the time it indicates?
7:40
